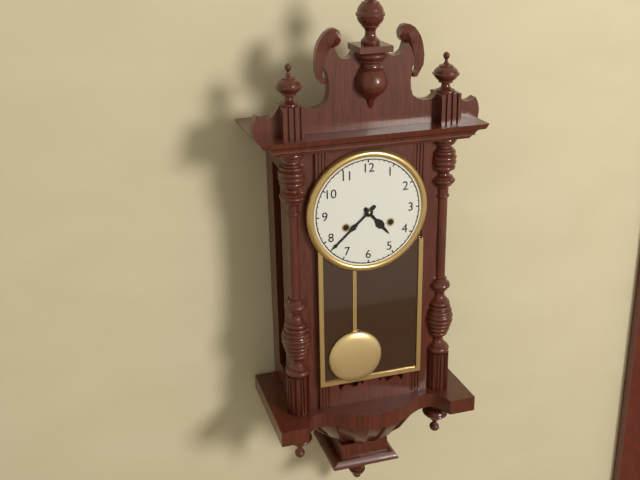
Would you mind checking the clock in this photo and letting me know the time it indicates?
4:38
